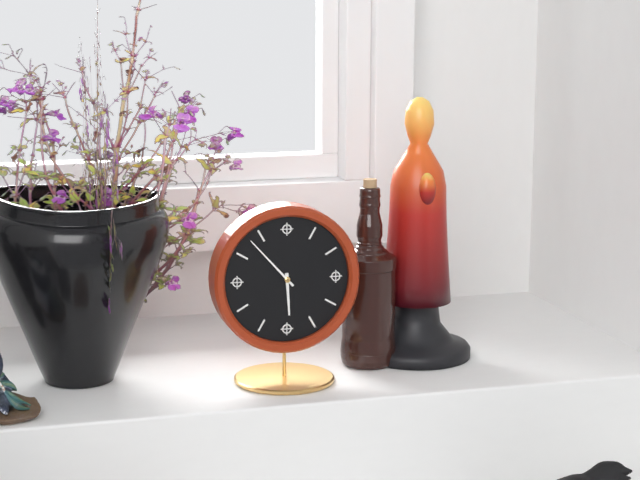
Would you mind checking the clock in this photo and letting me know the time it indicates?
5:53
